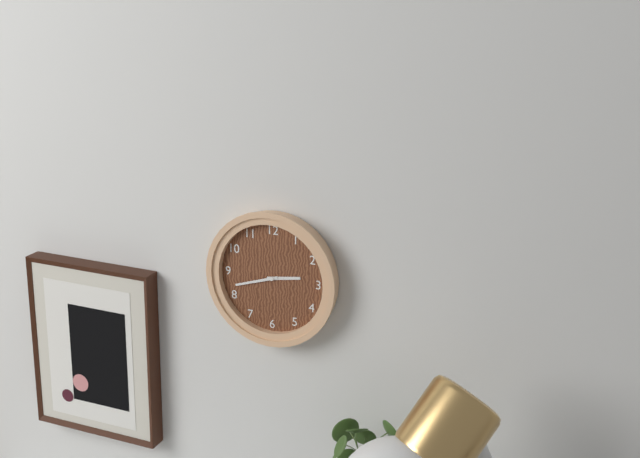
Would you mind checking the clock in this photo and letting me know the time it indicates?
2:42
